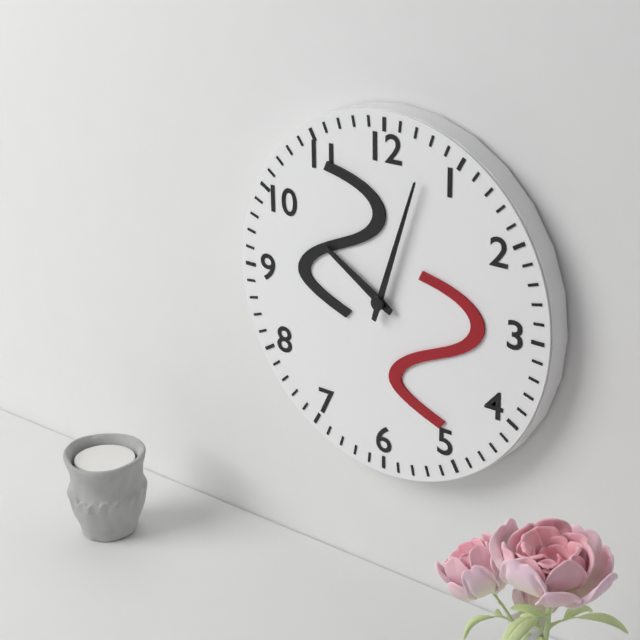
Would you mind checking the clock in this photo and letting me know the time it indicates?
10:03
